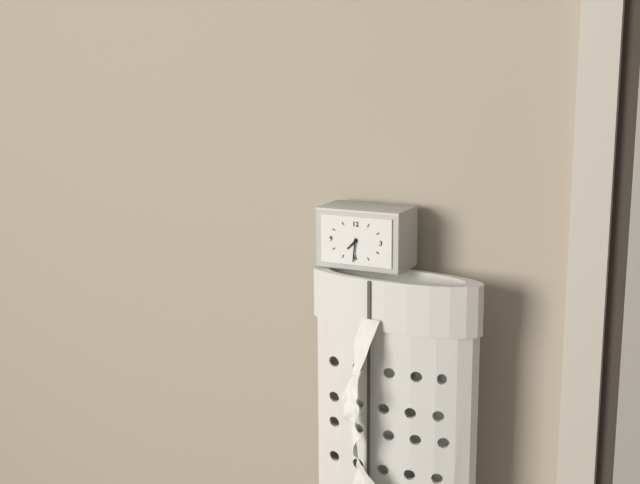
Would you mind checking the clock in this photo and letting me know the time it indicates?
7:31
